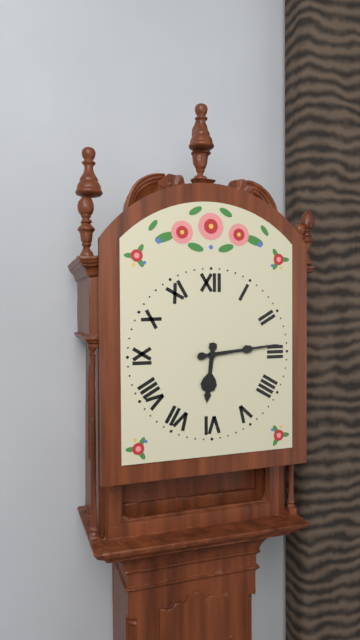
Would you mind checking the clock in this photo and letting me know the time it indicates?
6:14
